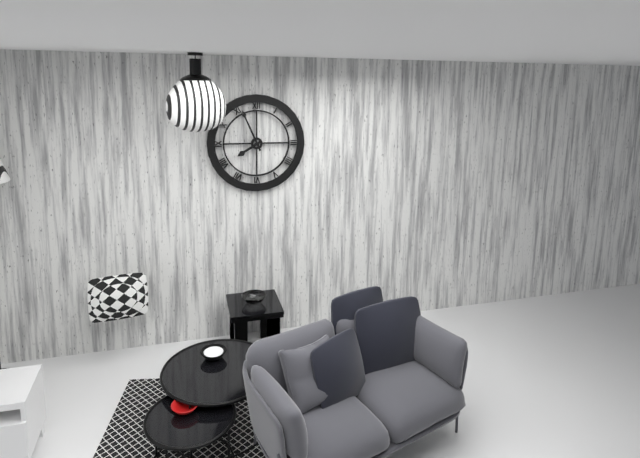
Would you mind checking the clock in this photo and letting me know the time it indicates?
7:56
